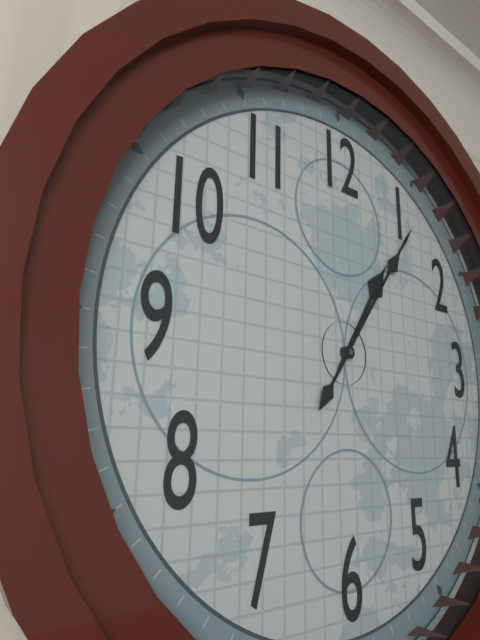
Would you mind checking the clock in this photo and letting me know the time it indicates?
1:06
